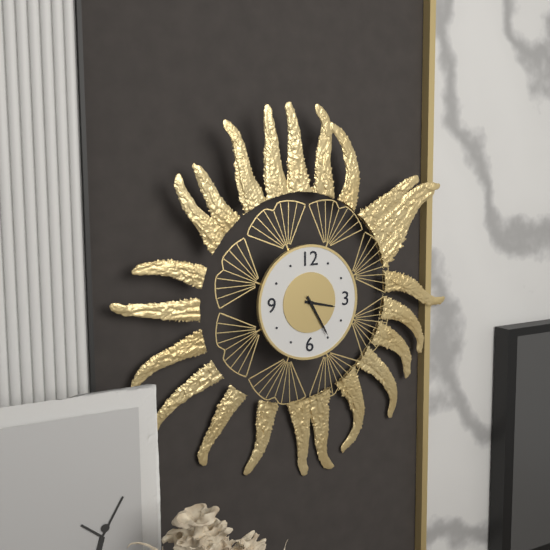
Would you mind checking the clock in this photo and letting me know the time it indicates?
3:25
